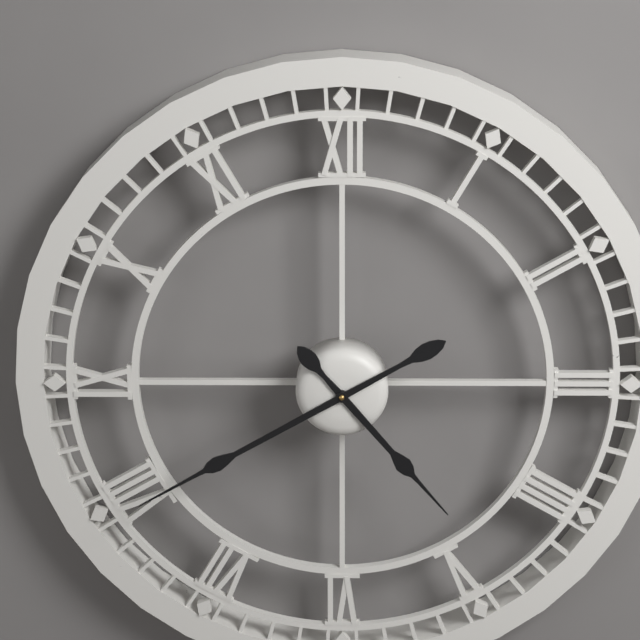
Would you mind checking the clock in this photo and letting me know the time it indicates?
4:40
